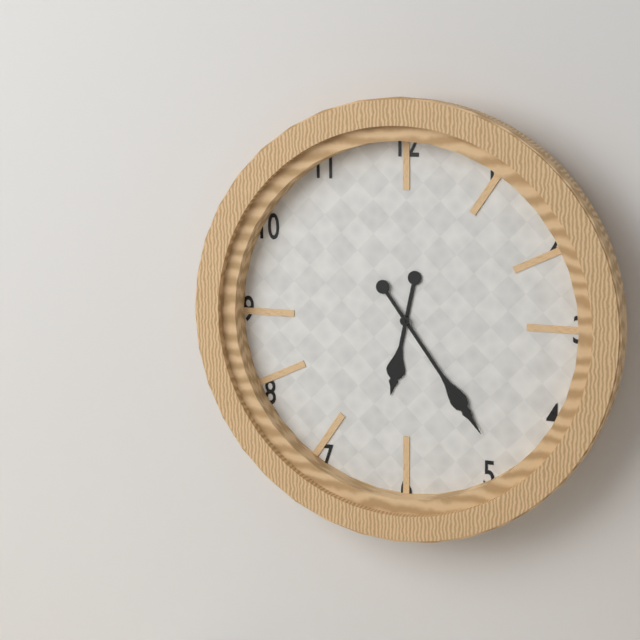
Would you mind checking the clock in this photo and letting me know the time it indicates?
6:24
